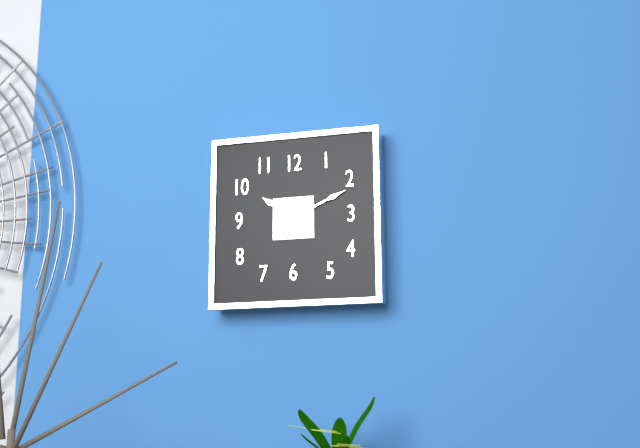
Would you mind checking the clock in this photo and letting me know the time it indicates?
10:11
